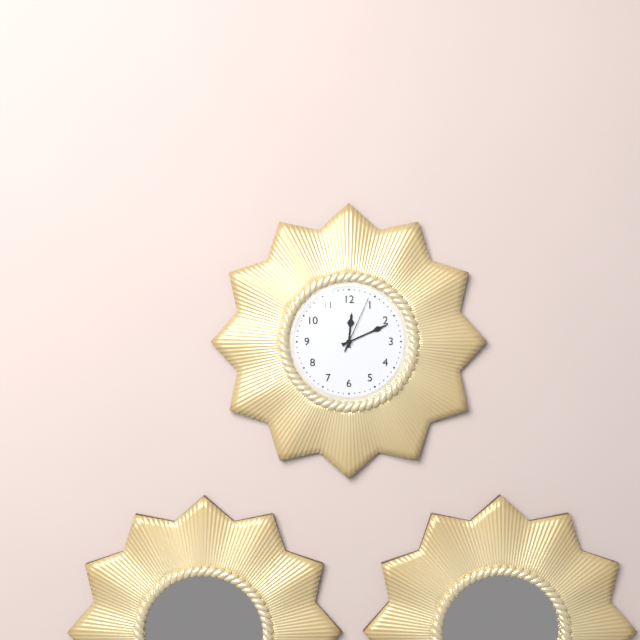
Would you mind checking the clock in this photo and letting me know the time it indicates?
12:11:04
